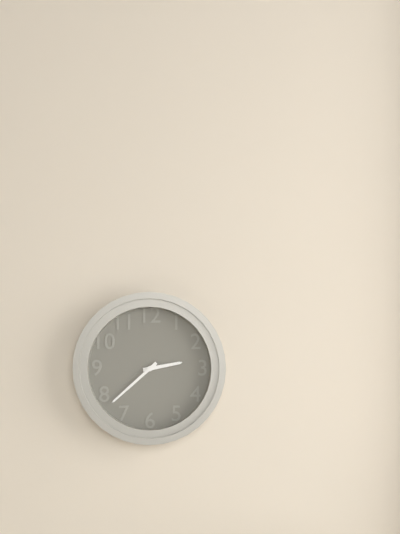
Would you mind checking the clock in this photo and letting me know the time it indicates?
2:38
